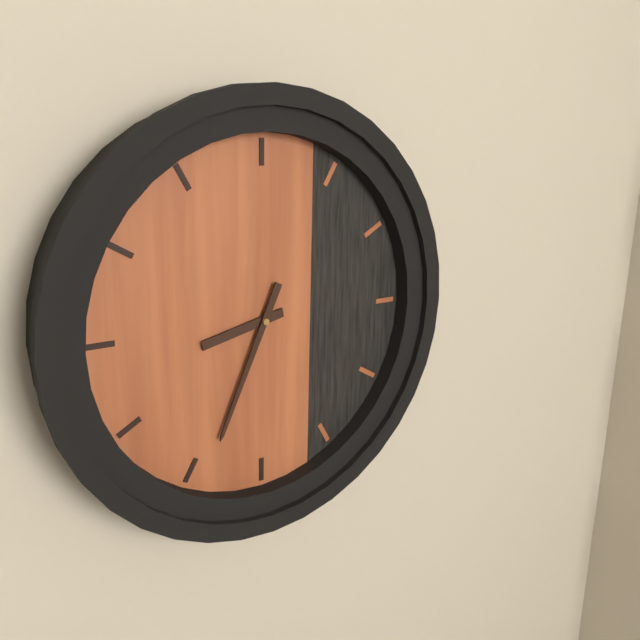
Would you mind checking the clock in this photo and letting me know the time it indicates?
8:34
